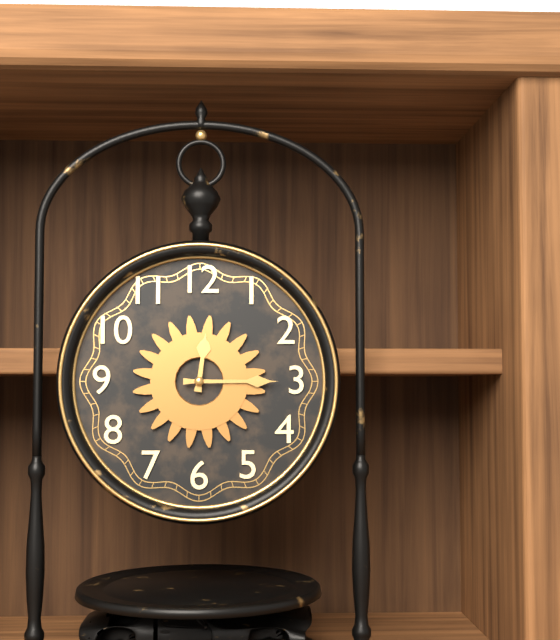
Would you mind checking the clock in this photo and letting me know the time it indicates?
12:15
